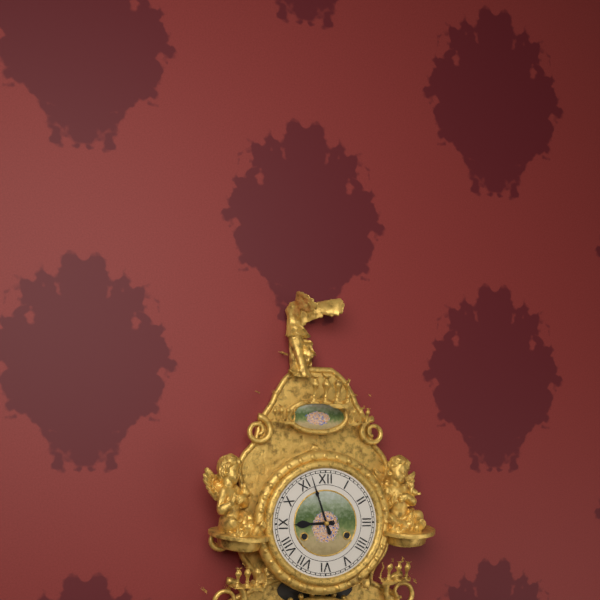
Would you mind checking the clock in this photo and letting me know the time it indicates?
8:57
